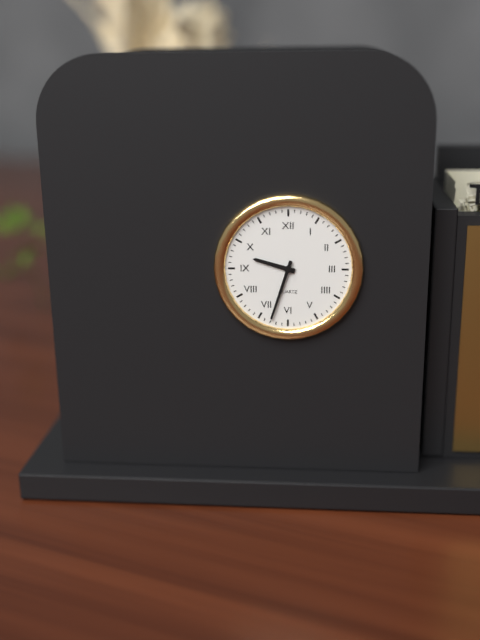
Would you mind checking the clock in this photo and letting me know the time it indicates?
9:33
